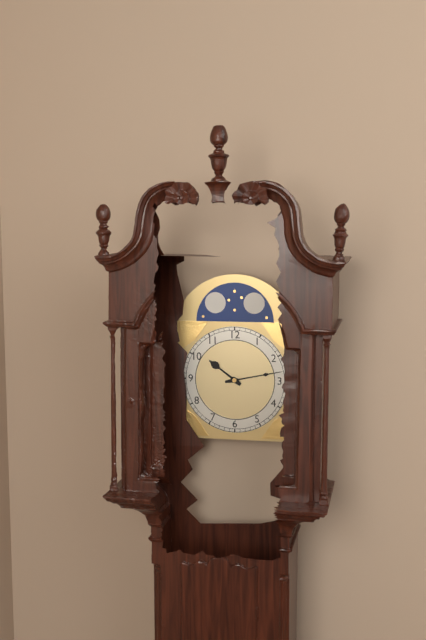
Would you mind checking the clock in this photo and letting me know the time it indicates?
10:13
